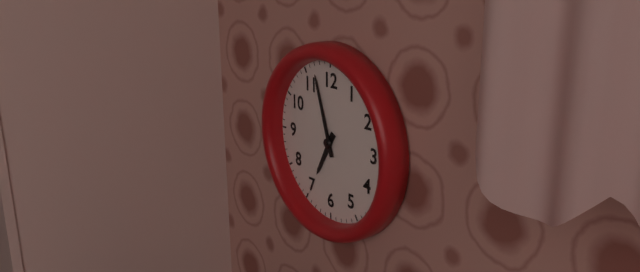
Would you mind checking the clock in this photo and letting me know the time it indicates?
6:57
